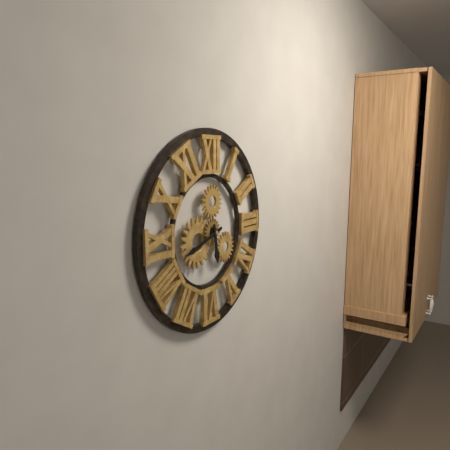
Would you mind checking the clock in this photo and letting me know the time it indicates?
5:42
